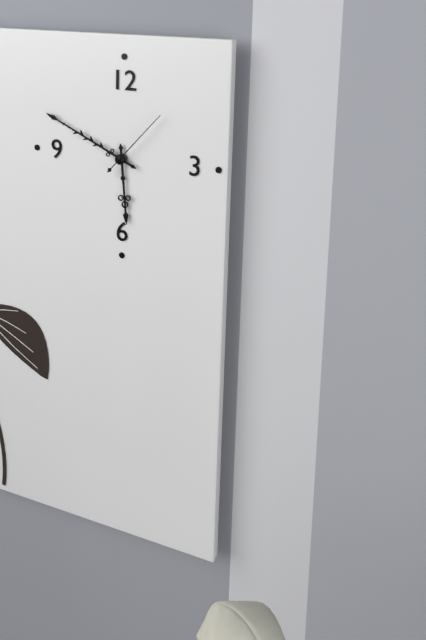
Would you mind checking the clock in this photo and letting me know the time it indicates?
5:49:07
